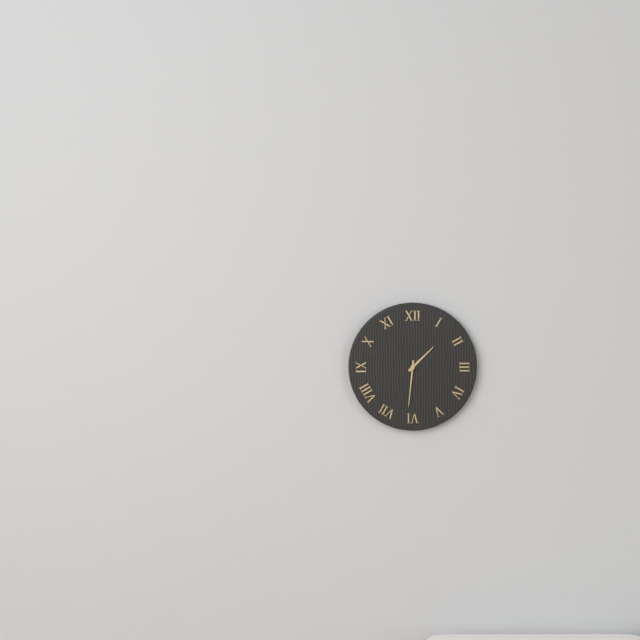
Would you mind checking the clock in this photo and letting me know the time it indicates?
1:31
